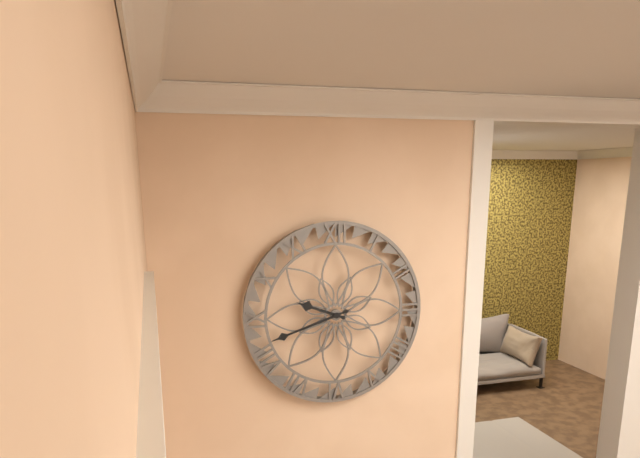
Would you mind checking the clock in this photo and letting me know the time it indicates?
9:42
